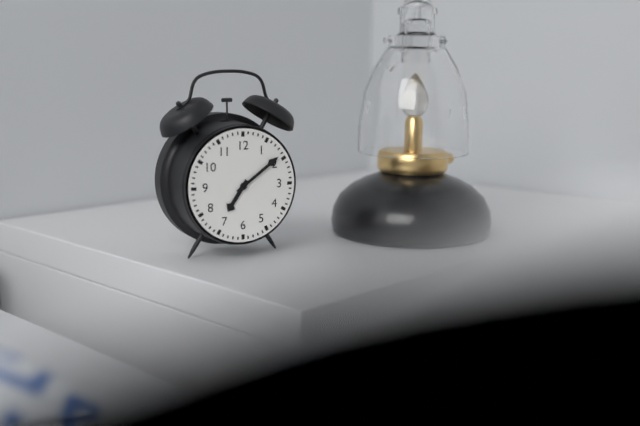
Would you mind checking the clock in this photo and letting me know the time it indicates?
7:09
